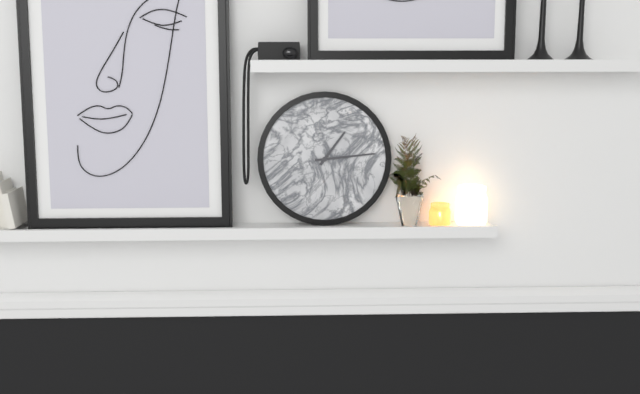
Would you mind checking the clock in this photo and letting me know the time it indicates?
1:14
